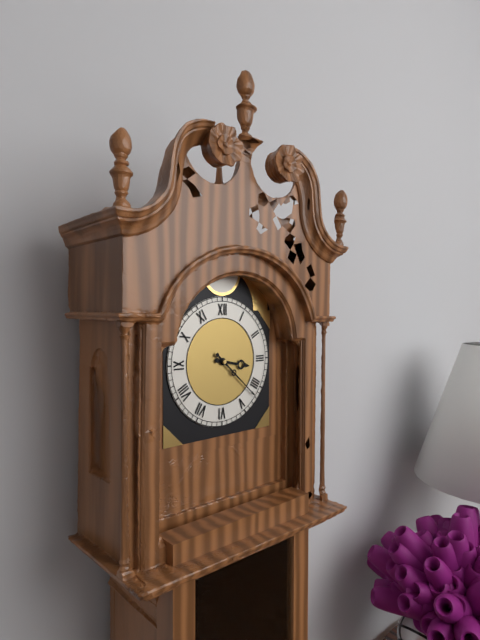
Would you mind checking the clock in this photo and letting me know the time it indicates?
3:22
